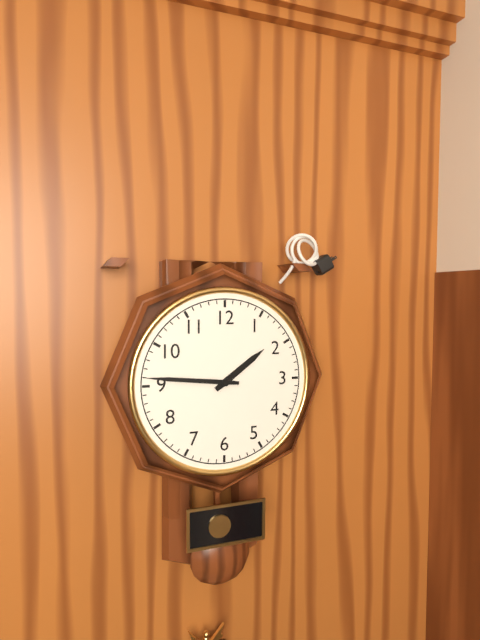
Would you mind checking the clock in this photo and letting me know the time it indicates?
1:46
